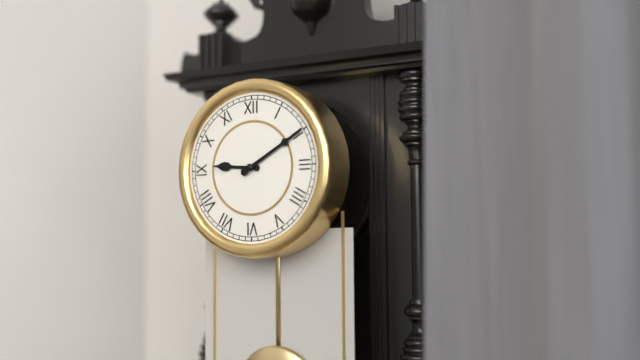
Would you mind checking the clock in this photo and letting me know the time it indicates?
9:10
